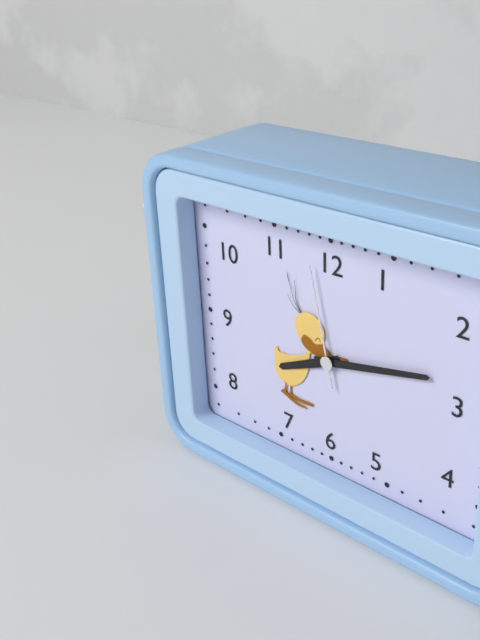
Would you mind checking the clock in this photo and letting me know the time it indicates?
8:13:58
